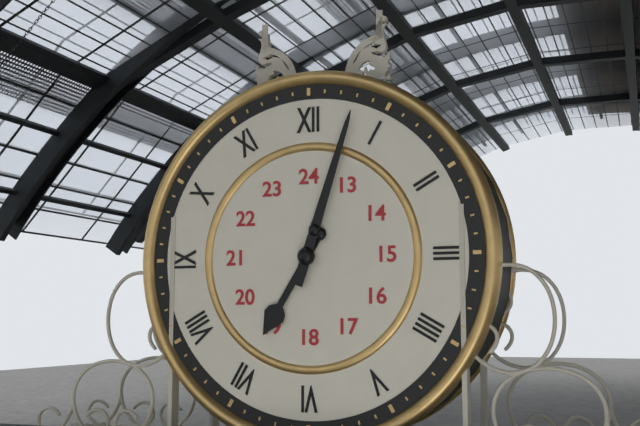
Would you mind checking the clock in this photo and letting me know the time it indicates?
7:03
